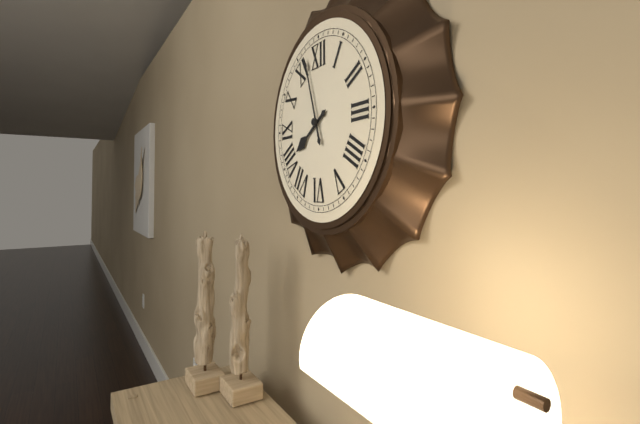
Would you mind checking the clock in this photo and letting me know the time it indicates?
7:57
